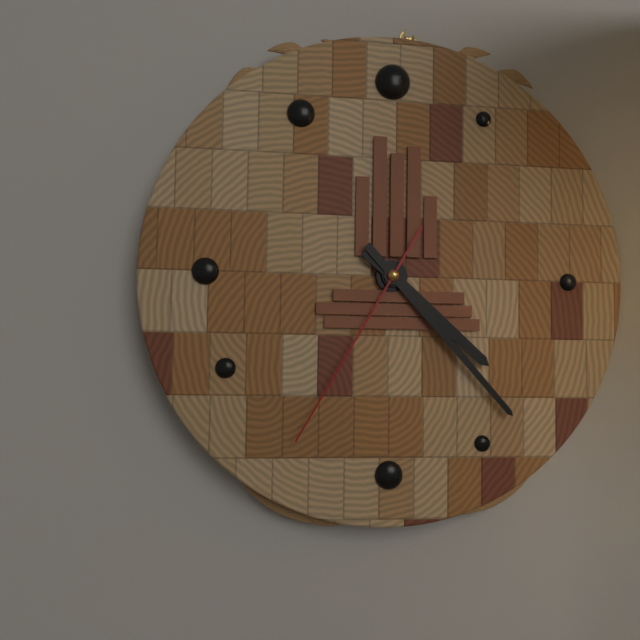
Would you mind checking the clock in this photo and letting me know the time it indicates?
4:23:35
